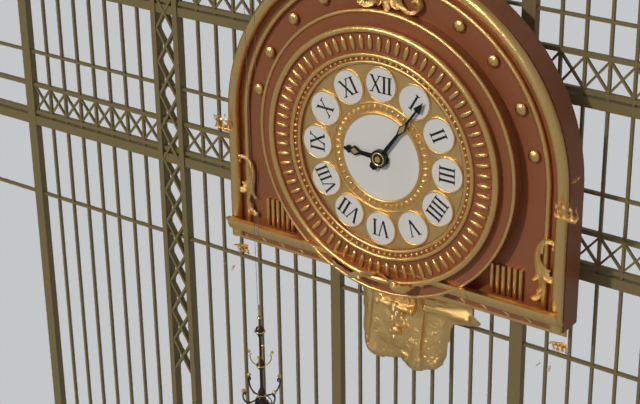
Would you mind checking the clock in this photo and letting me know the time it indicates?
9:06
